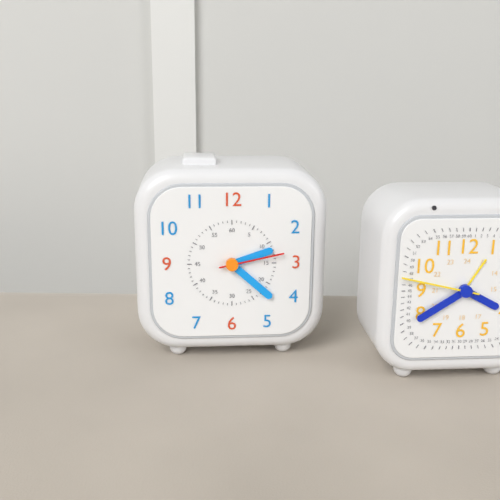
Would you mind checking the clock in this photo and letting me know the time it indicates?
2:22:13
